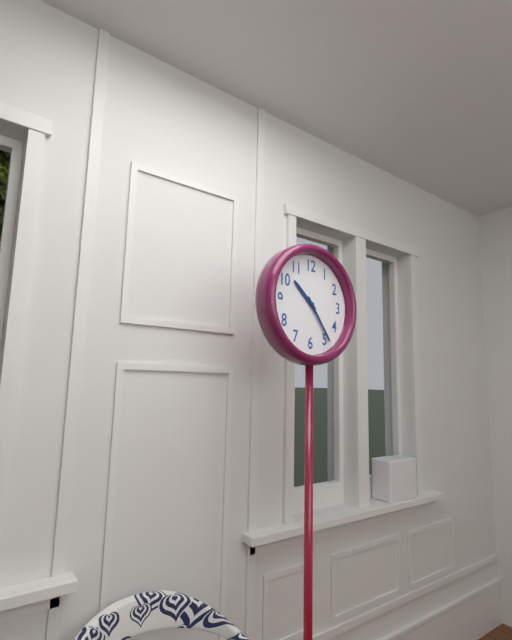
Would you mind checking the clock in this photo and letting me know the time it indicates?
10:24
